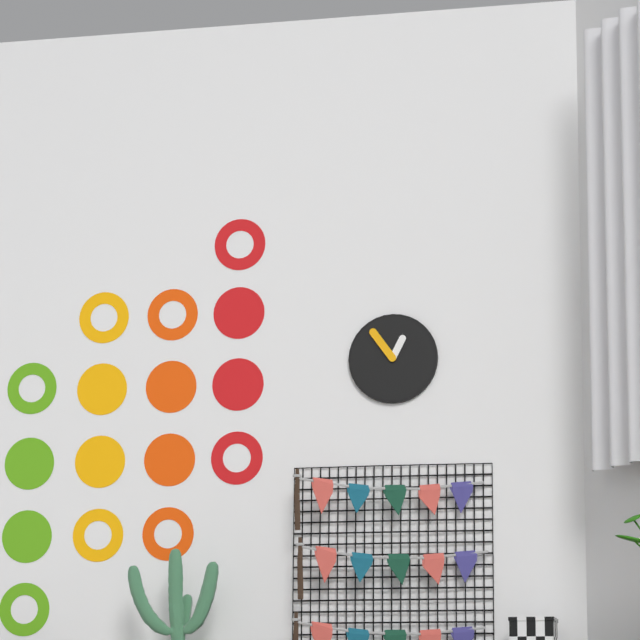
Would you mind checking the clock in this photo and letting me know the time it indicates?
12:54
